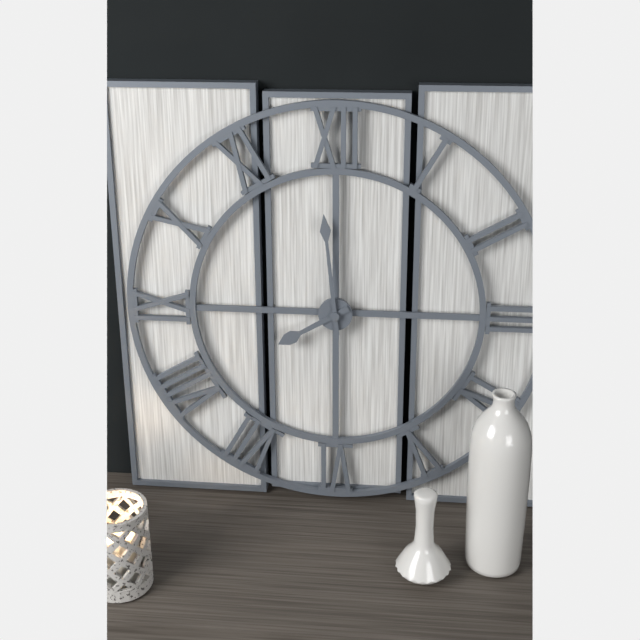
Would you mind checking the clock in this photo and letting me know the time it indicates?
7:59
